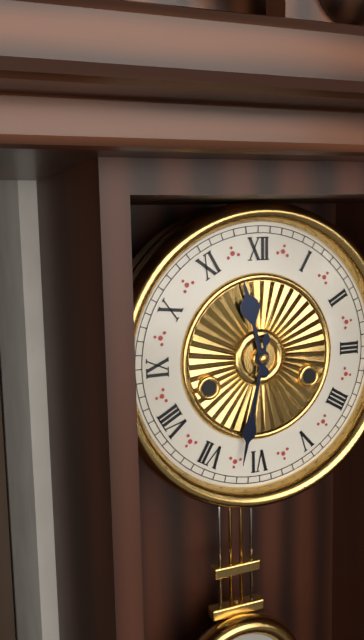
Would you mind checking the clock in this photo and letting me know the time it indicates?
11:32
